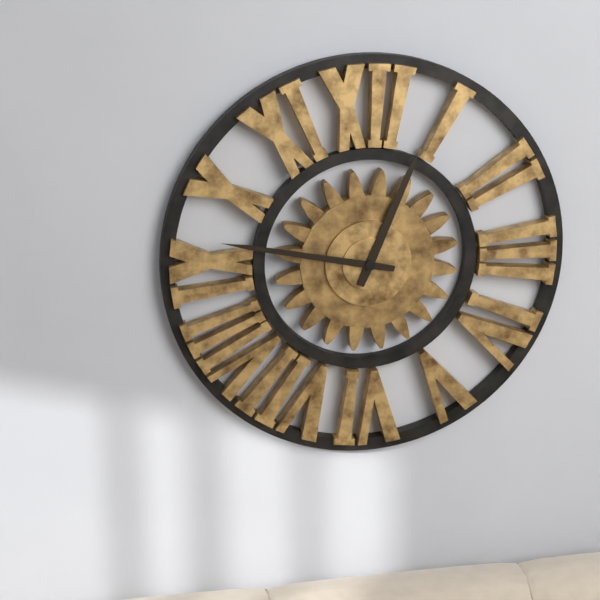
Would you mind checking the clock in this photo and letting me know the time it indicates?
12:47
